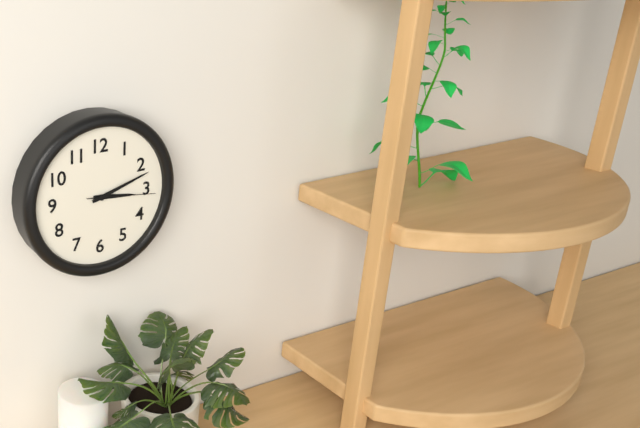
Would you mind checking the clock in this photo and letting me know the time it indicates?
3:12:16
